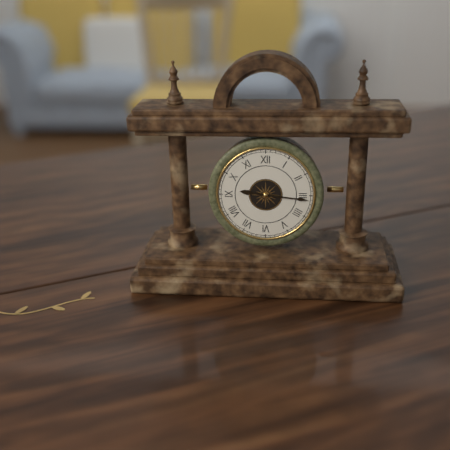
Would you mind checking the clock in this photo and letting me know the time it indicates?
9:16
